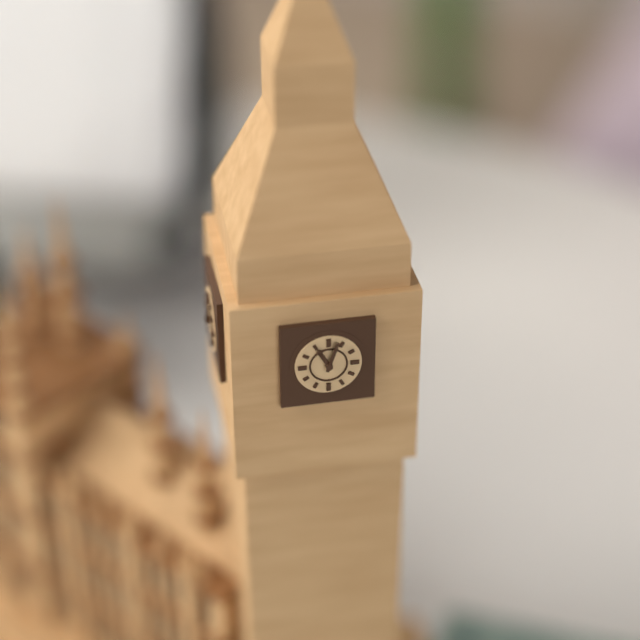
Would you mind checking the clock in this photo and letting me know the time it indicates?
11:03
